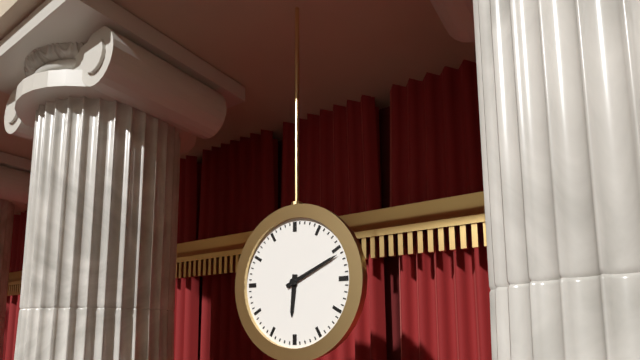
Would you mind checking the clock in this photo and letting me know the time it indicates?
6:11
